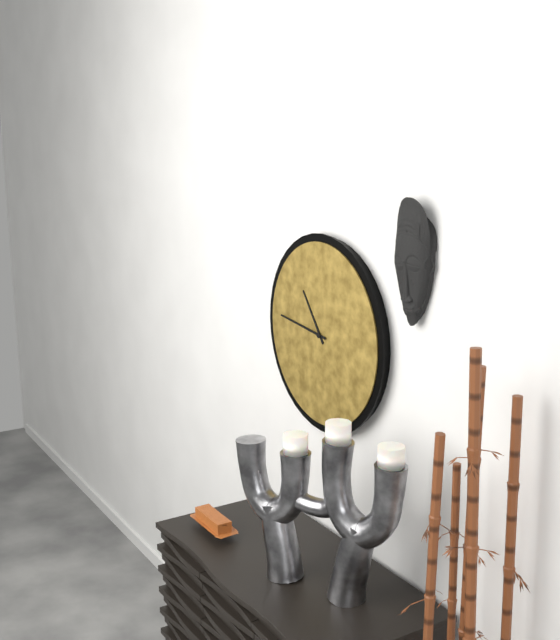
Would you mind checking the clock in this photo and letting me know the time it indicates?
10:46
